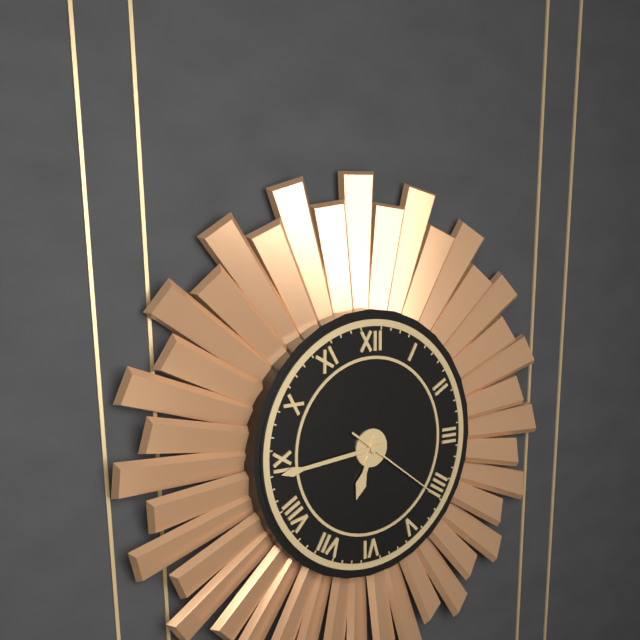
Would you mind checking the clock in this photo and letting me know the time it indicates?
6:44:21
